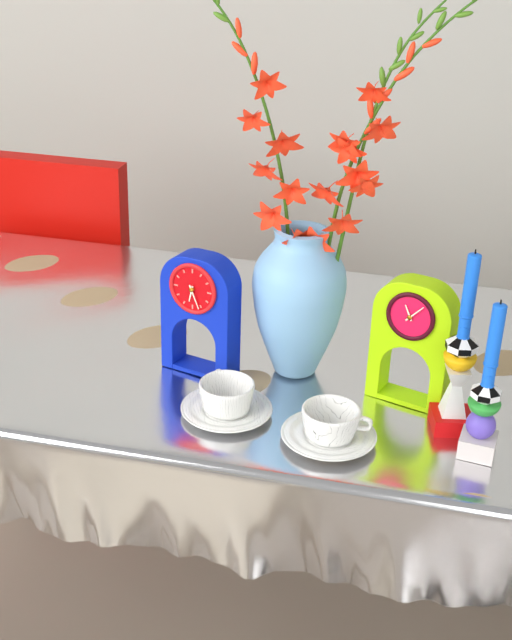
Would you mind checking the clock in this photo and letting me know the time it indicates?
6:26
